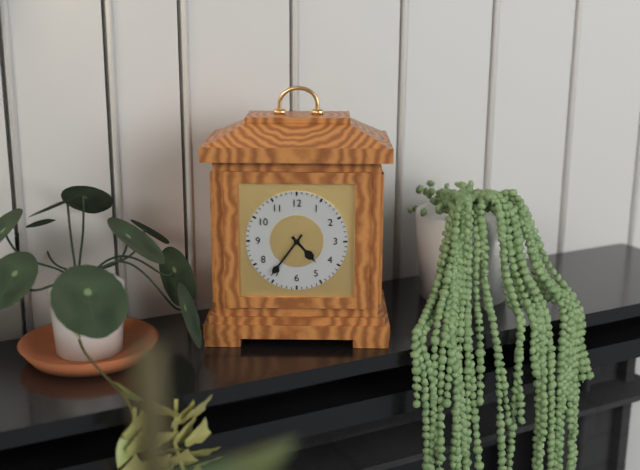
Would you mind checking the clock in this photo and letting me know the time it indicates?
4:36
